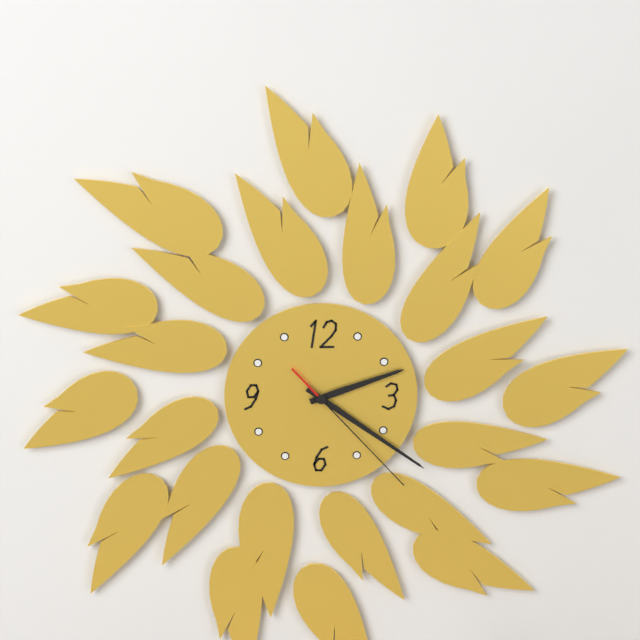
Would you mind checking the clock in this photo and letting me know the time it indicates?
2:21:23
